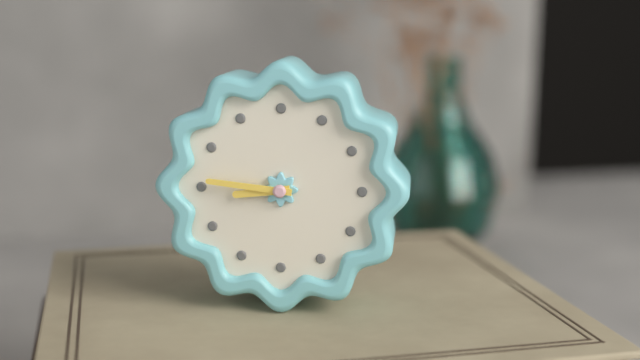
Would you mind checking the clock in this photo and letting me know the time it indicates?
8:46
